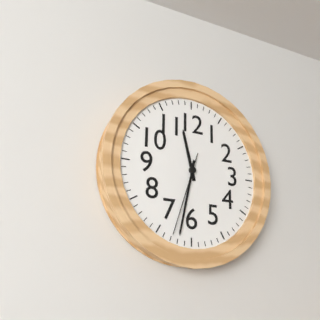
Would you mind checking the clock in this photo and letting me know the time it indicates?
11:32:33
